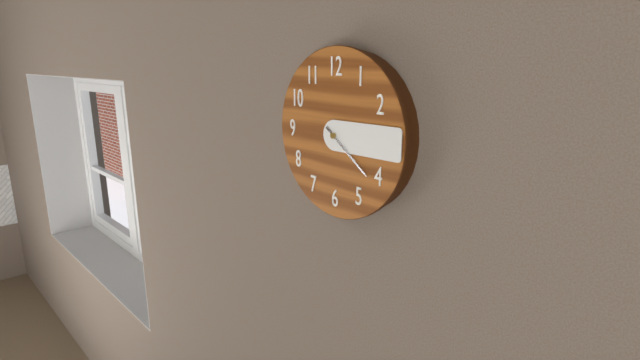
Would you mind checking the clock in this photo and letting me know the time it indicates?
4:15
